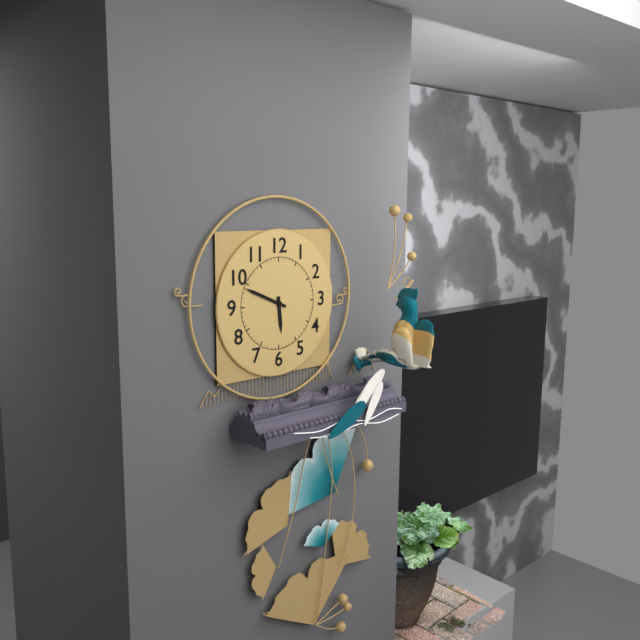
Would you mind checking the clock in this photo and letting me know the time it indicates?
5:49
